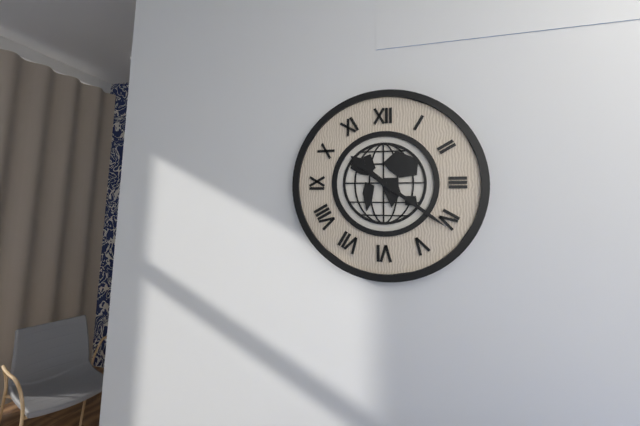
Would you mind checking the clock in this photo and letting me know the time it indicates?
10:21
